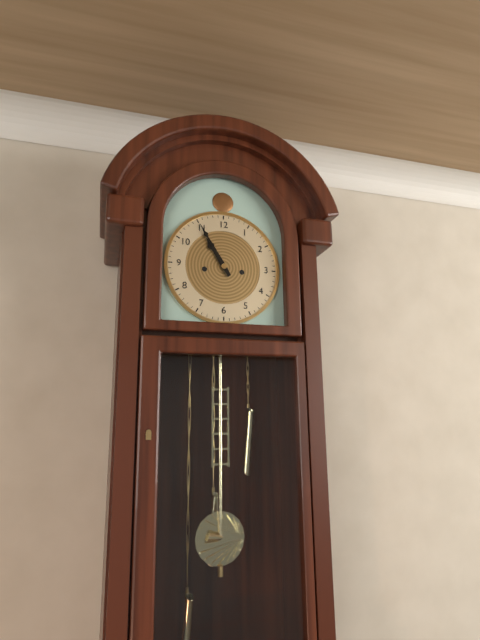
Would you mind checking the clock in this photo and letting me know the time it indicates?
10:55
